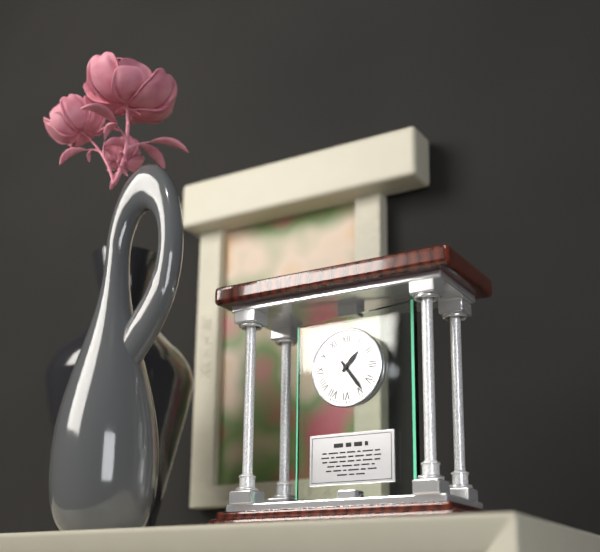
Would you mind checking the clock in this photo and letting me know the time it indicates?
1:24
